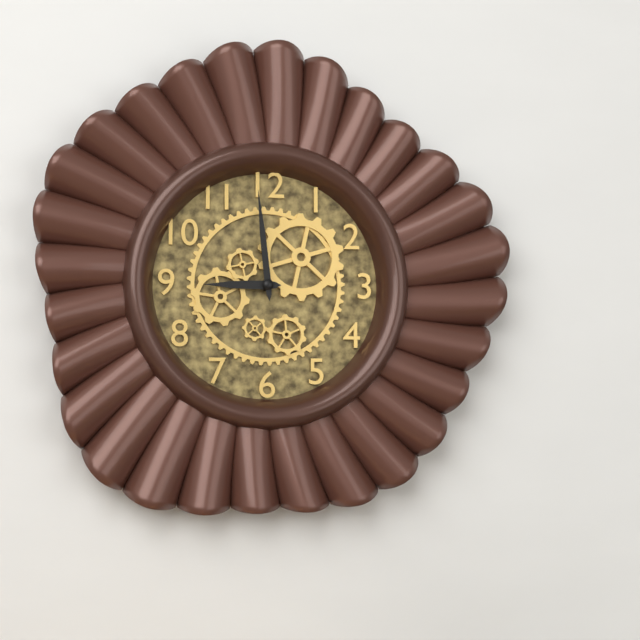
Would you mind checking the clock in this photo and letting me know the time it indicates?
8:59
